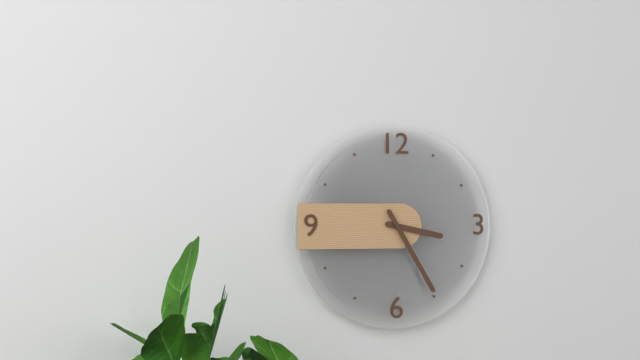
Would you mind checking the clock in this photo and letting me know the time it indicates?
3:25
